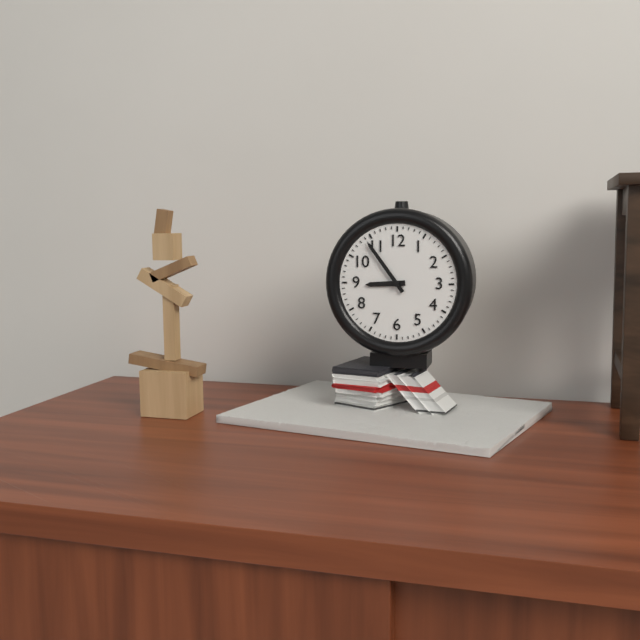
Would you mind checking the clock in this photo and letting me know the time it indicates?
8:54
